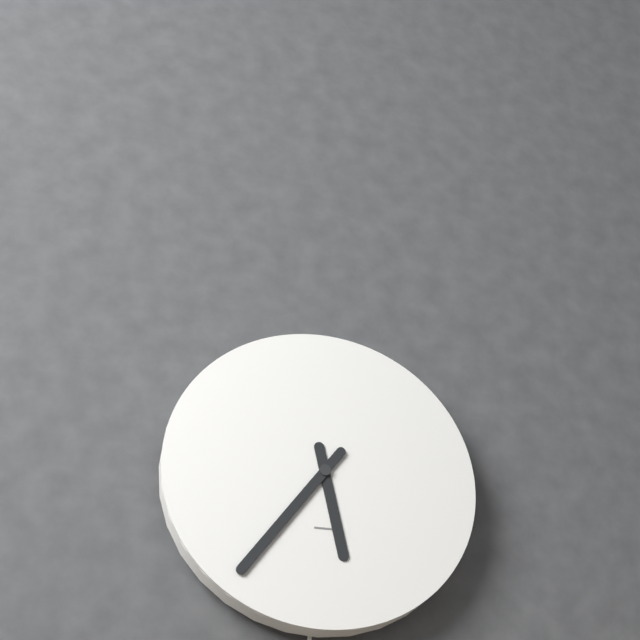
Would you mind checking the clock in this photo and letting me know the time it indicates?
5:36
